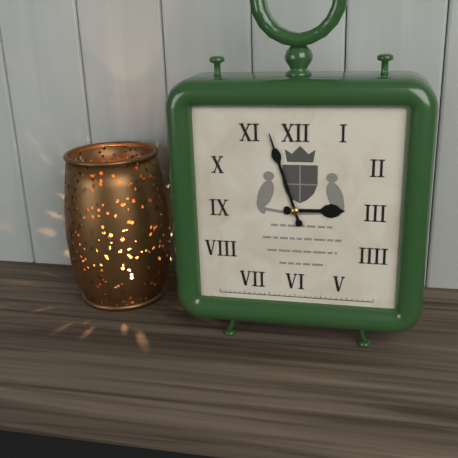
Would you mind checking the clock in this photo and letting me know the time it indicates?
2:57
